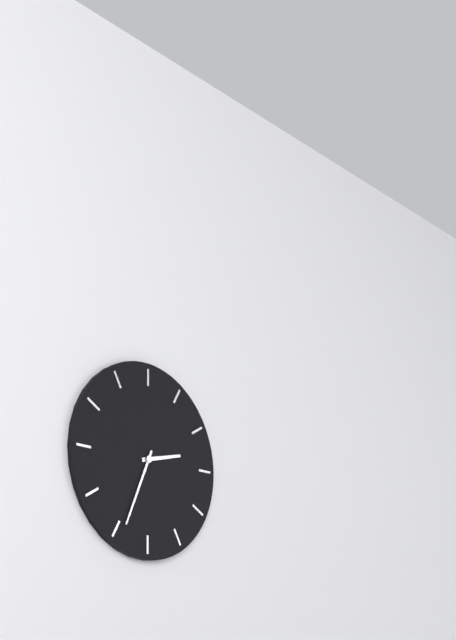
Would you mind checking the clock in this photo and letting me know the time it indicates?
2:34
